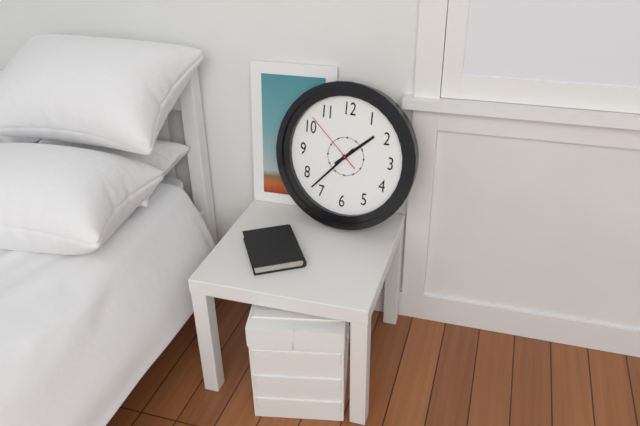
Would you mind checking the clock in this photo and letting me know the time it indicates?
1:37:52
